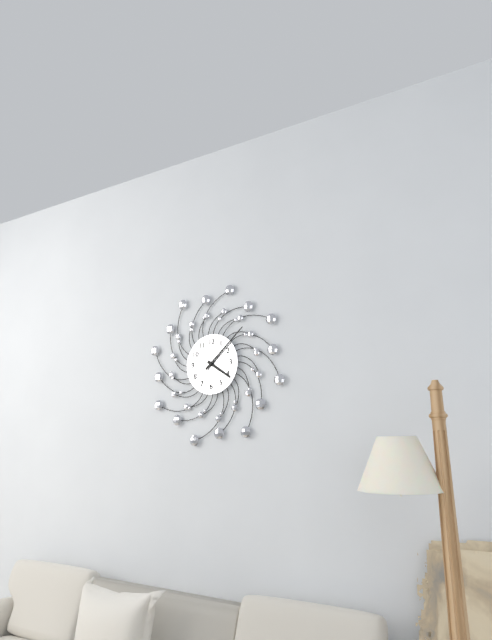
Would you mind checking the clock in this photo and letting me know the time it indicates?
4:08
